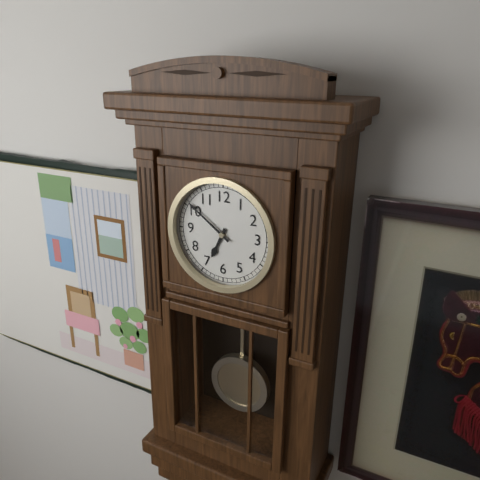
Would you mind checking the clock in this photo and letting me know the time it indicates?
6:51
